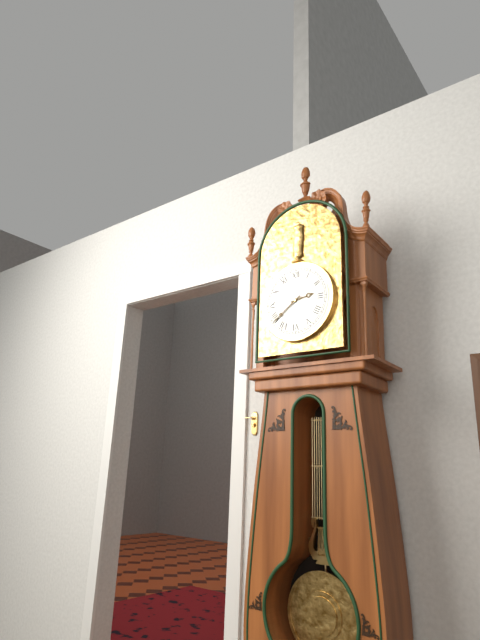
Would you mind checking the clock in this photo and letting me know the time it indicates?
2:39
